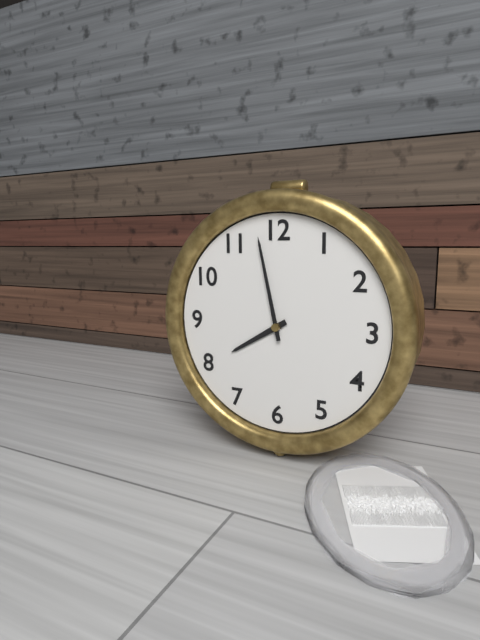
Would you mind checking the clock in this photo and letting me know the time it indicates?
7:58
